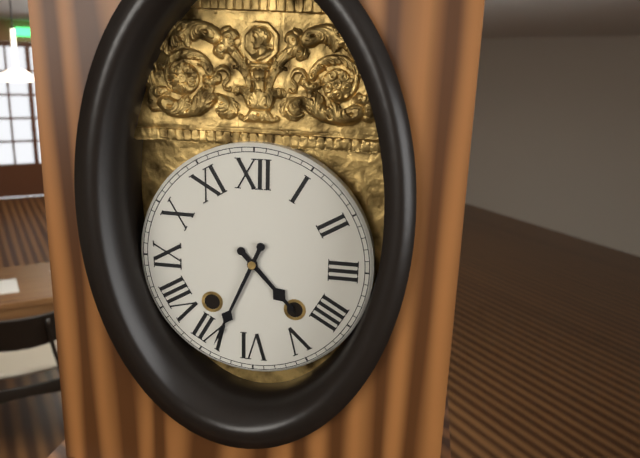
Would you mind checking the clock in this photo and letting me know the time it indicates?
4:34
